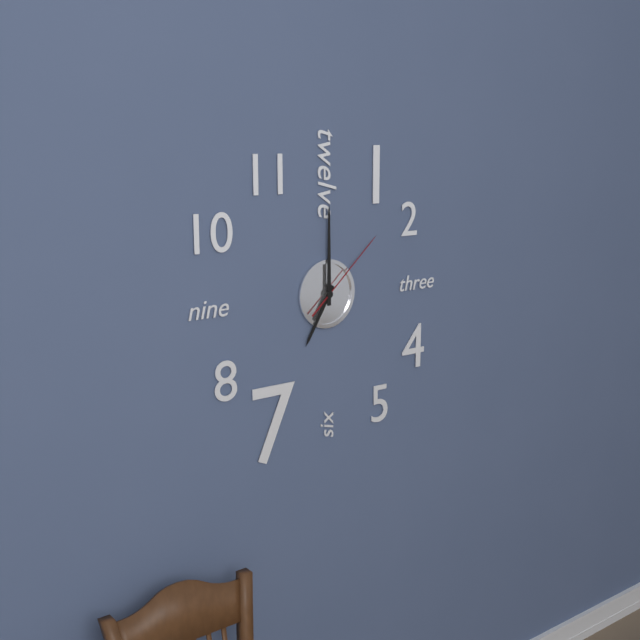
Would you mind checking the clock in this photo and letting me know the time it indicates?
7:00:08
